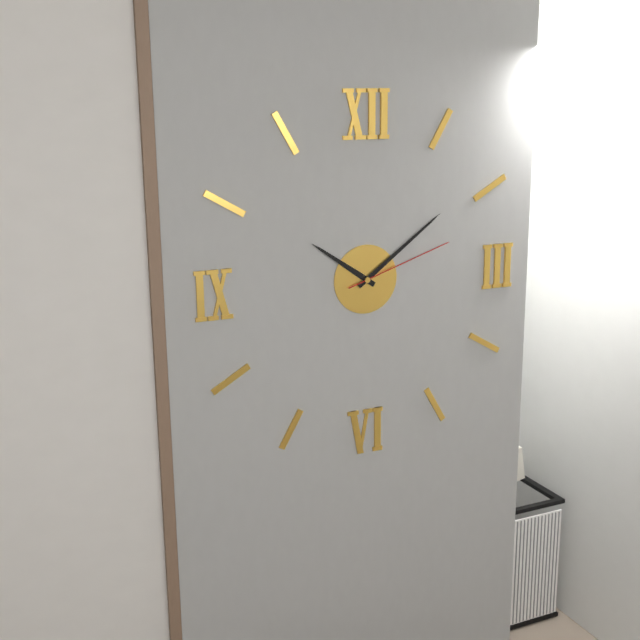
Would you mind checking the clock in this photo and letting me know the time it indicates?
10:09:12
